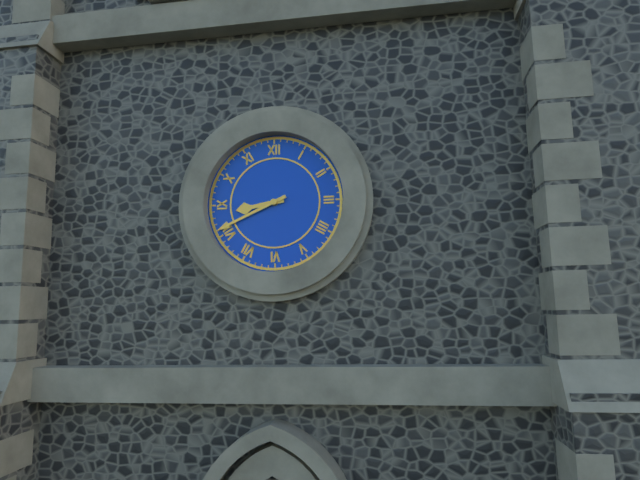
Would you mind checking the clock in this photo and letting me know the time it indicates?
8:41
